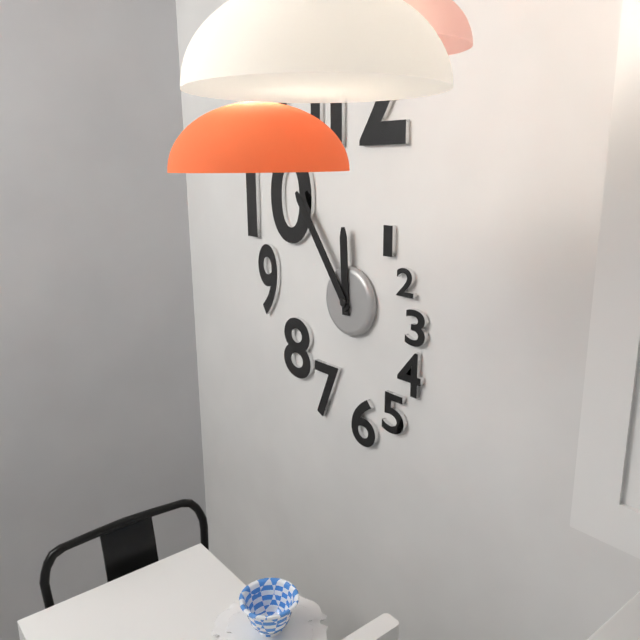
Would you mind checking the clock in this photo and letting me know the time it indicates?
11:54
